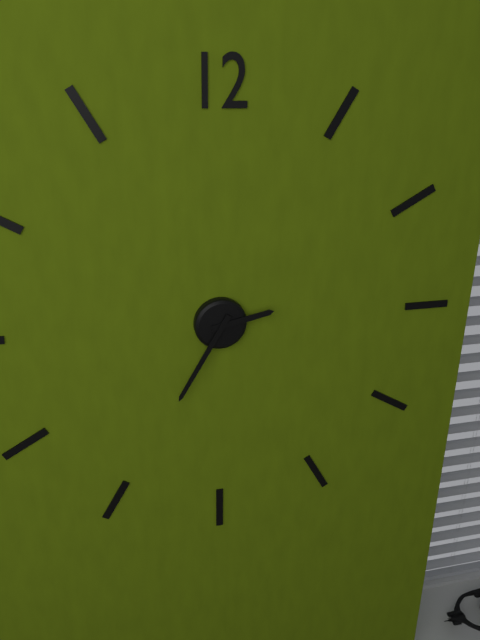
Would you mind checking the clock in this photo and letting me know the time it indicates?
2:35
